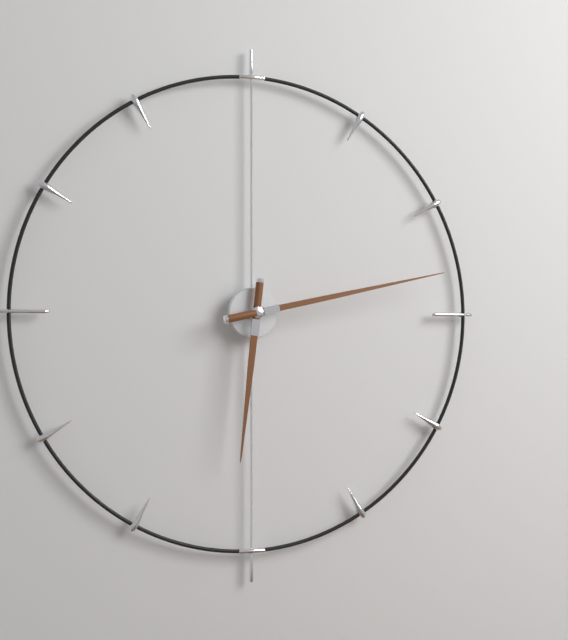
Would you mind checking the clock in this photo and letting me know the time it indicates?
6:13
